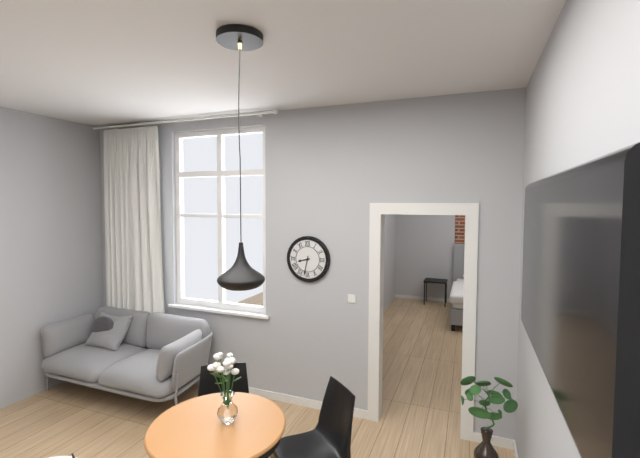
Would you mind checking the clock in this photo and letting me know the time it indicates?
8:32
